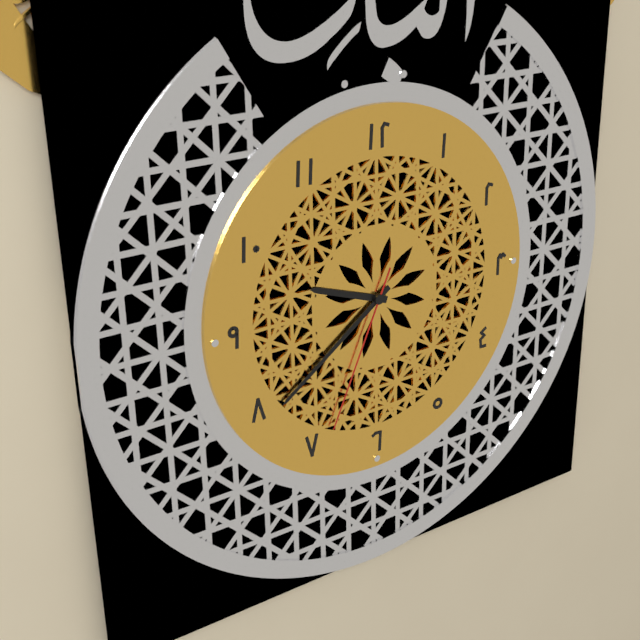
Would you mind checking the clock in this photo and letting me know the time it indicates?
9:39:34
